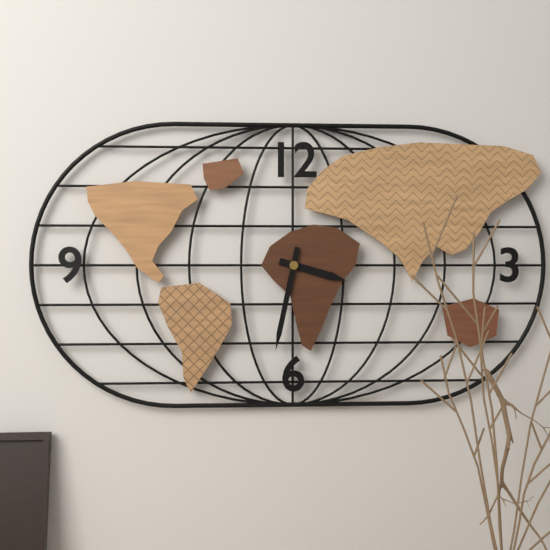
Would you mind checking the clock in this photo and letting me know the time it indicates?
3:32
